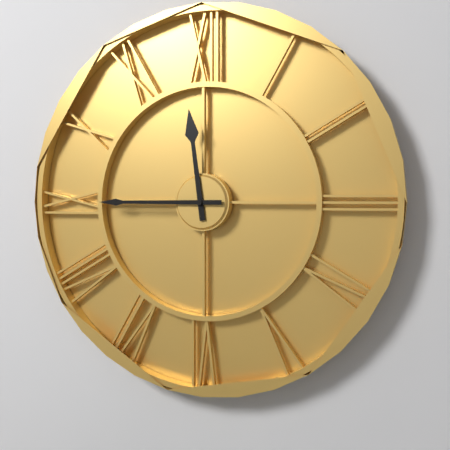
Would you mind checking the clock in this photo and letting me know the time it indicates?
11:45
